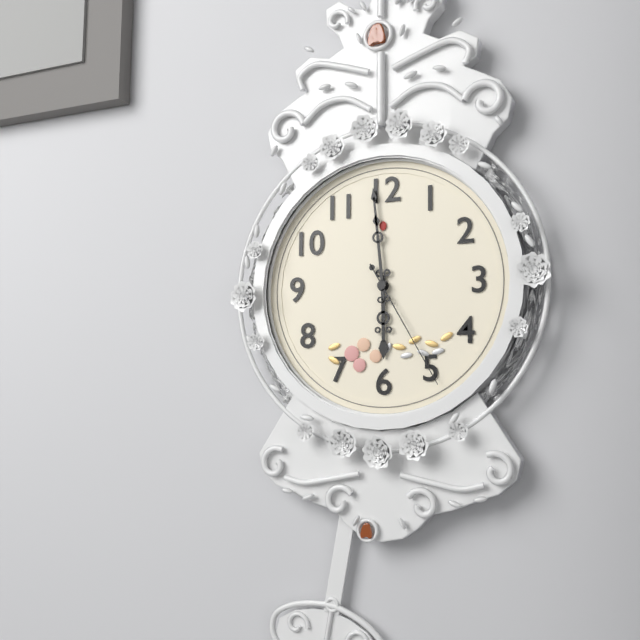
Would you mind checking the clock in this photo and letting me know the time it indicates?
5:59:25
